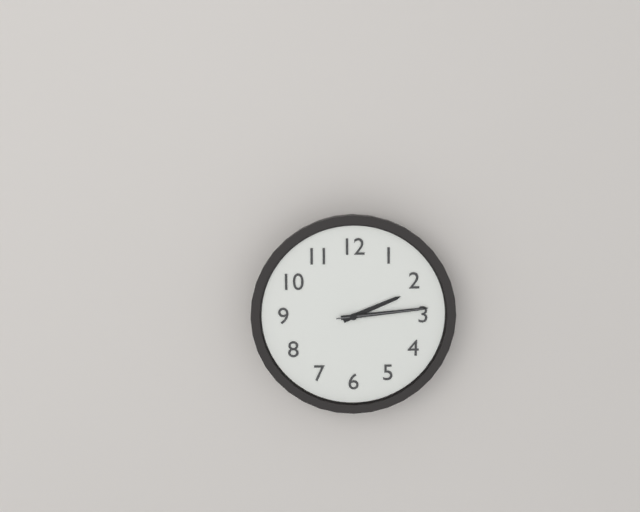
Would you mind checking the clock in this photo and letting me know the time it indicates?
2:14:14
